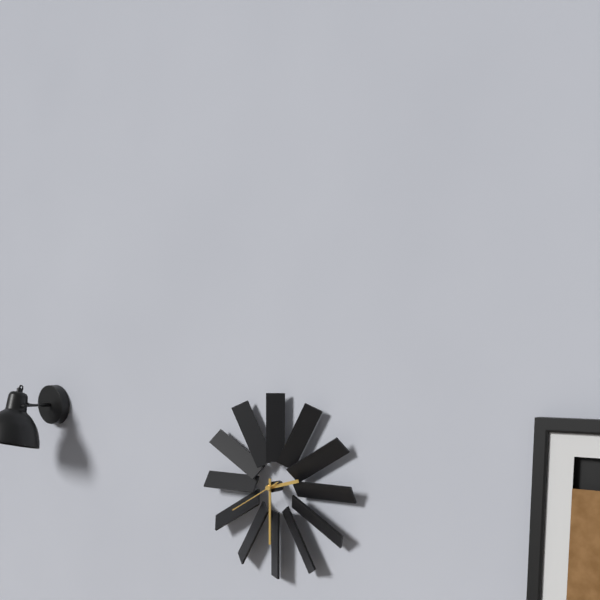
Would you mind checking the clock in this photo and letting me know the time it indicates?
2:30:40
